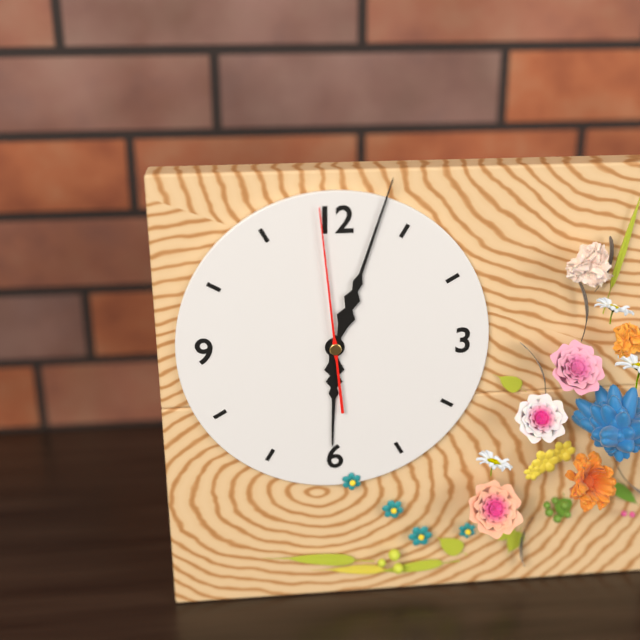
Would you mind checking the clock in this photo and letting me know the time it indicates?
6:03:59
